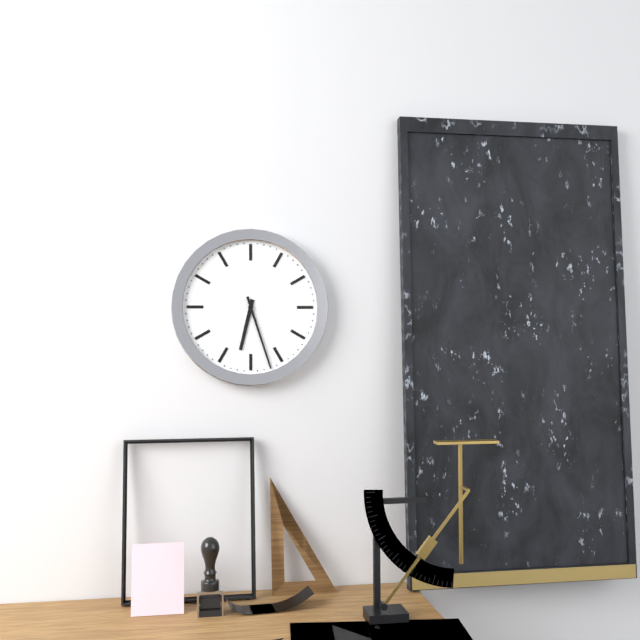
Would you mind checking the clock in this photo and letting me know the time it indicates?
6:27
